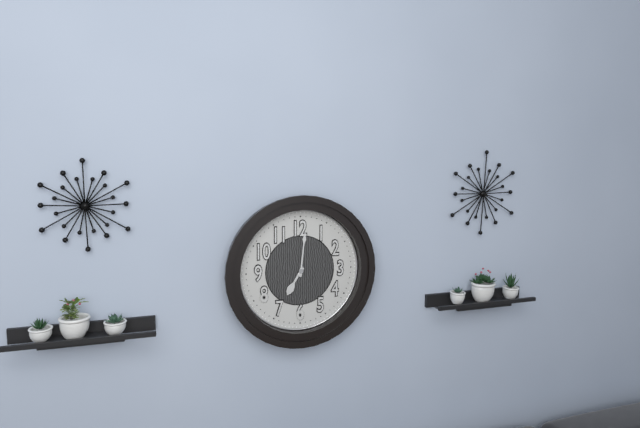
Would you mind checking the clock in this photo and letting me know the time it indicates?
7:01
